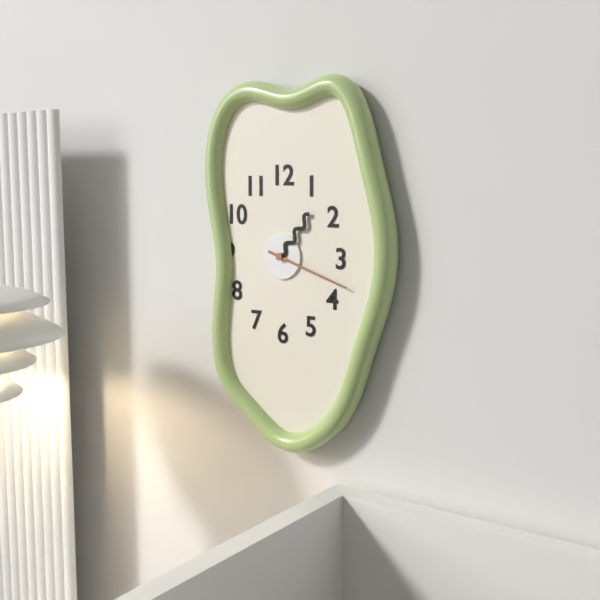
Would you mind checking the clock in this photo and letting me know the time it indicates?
1:18
